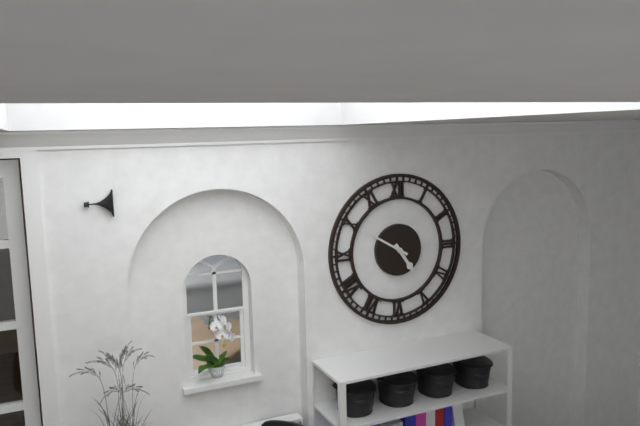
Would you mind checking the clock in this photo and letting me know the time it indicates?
4:50
